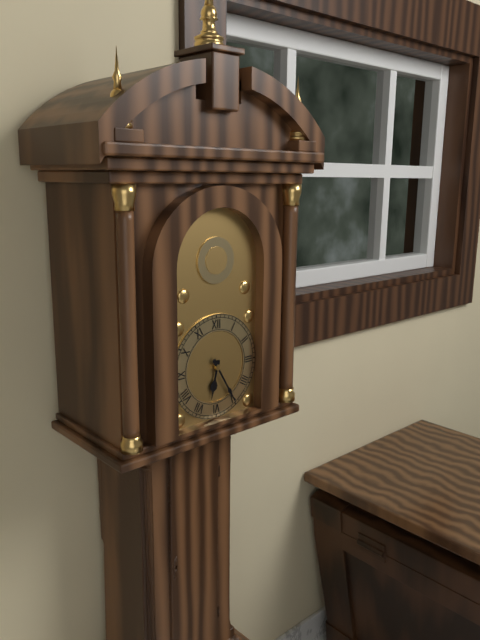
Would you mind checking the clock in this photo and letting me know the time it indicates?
6:25
